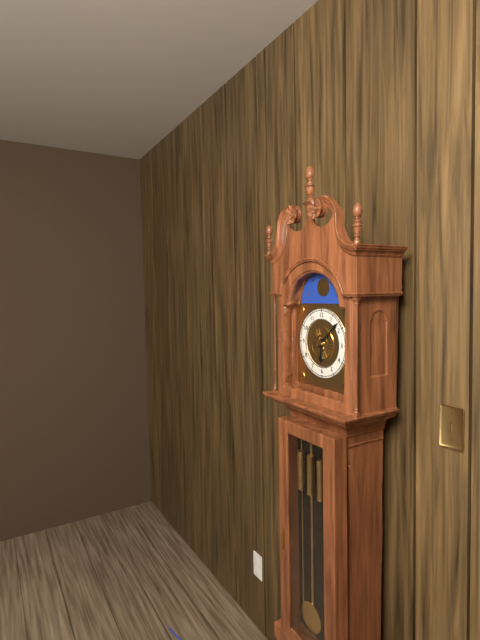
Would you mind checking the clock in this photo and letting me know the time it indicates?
6:08
